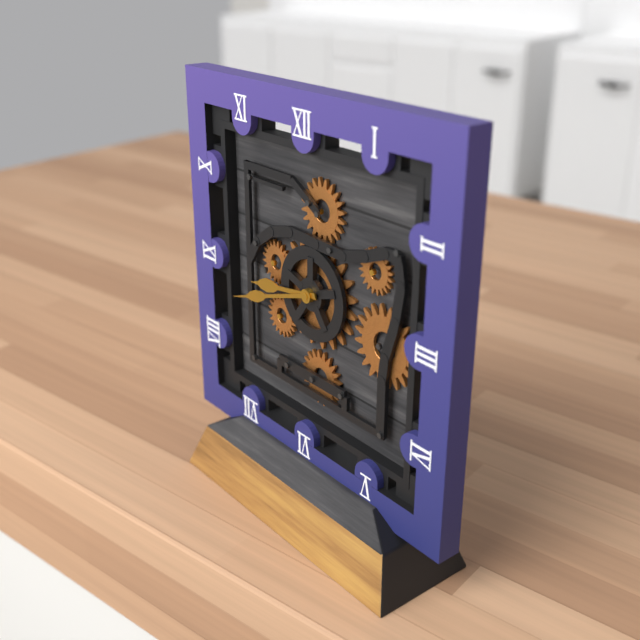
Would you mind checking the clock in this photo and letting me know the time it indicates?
8:42
